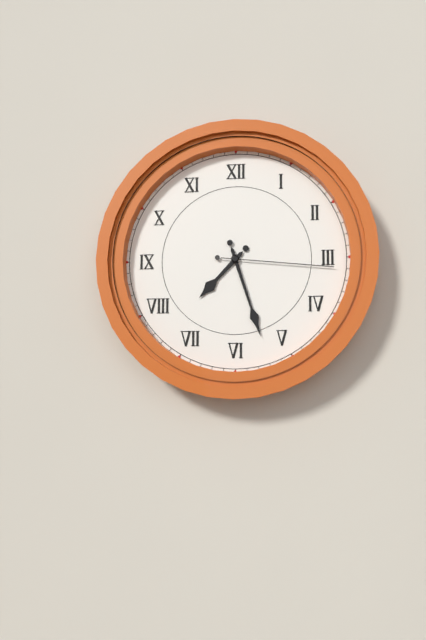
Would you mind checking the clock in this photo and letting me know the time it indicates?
7:27:16
